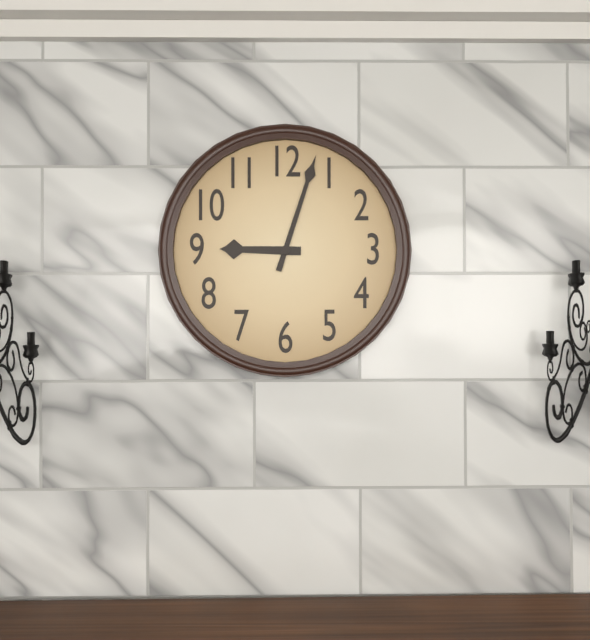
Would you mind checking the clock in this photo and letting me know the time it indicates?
9:03
